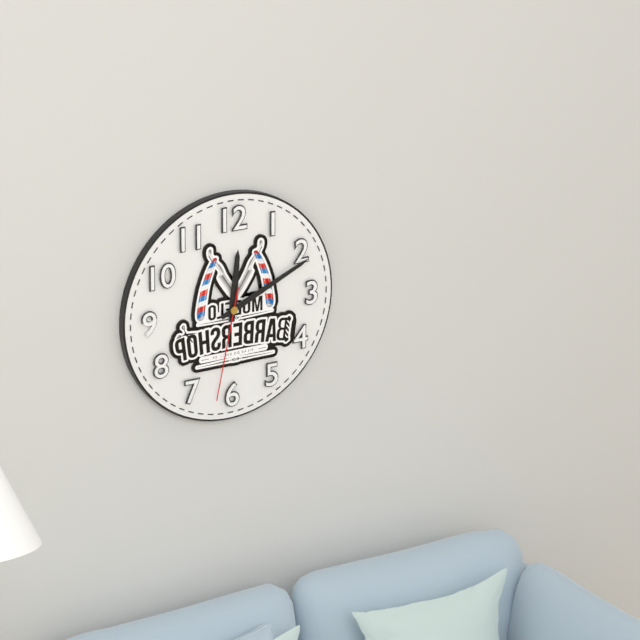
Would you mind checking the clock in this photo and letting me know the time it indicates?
12:11:32
